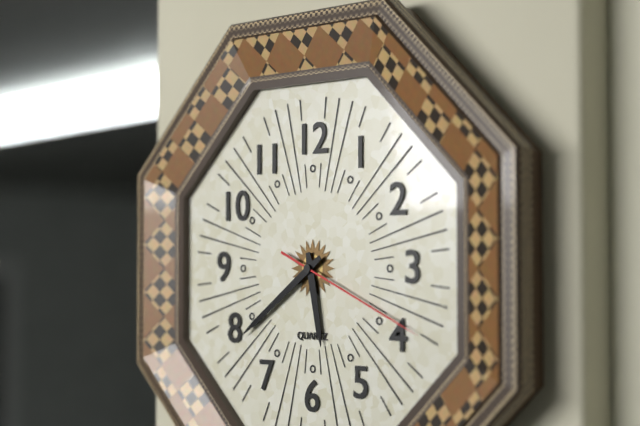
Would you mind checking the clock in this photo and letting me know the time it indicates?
5:39:19
